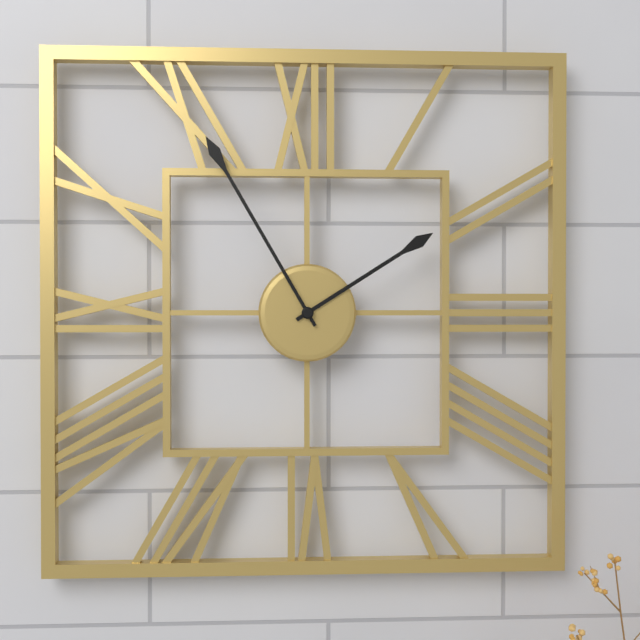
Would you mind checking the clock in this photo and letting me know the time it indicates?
1:55
